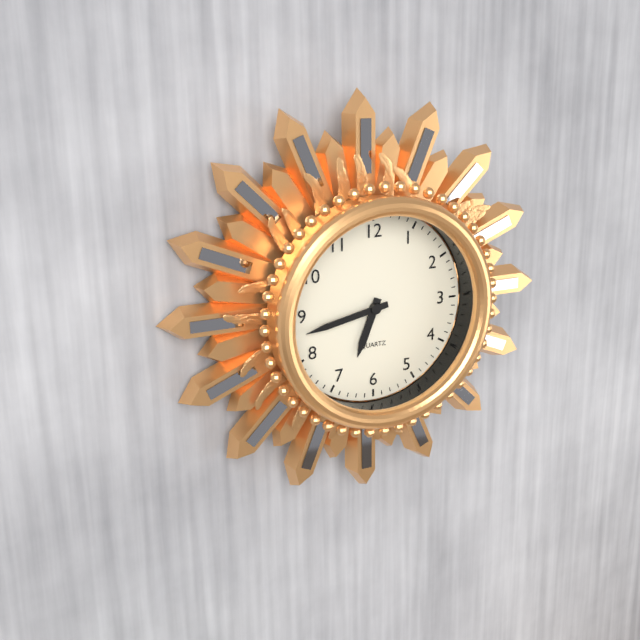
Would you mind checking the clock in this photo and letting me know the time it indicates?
6:43
